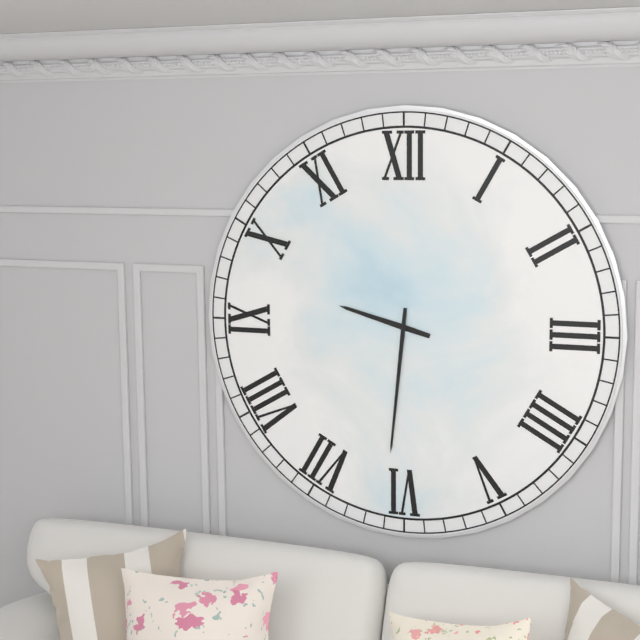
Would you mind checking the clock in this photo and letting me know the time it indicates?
9:31
